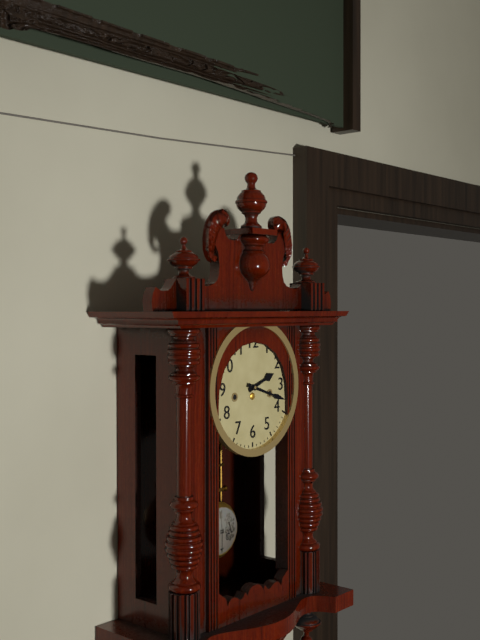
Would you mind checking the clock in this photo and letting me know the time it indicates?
2:18
